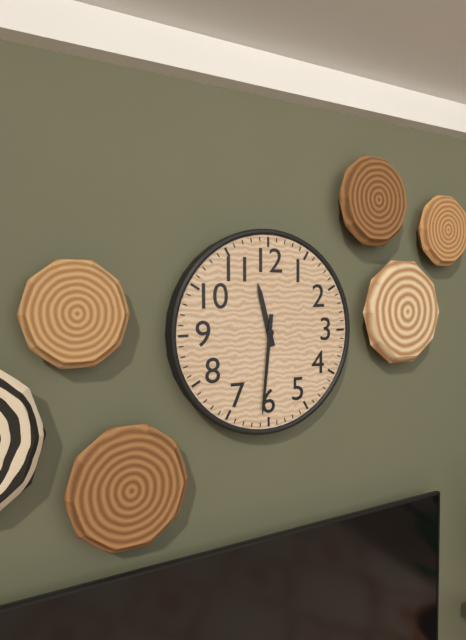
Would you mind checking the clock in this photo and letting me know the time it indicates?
11:31
